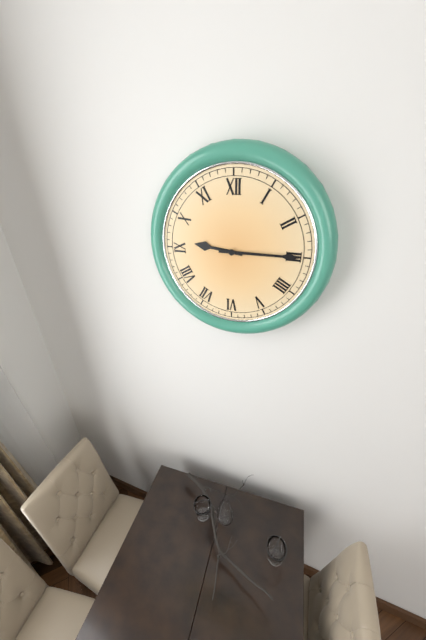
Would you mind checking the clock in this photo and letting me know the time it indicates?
9:15
